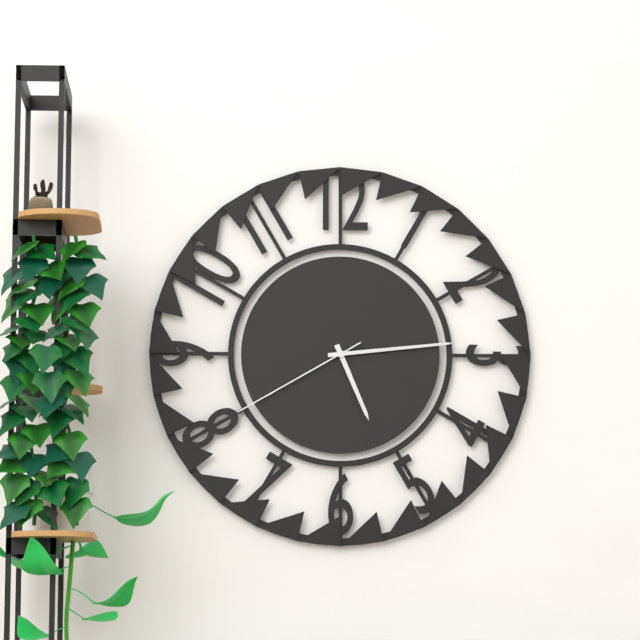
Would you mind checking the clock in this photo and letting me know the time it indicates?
5:14:40
